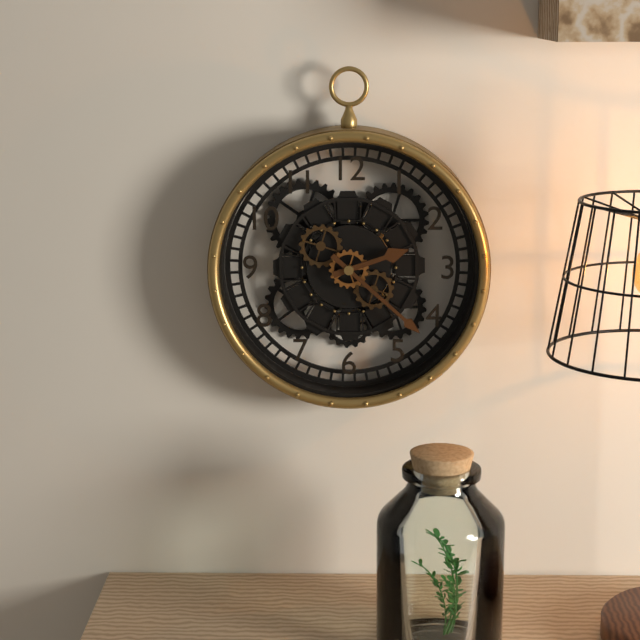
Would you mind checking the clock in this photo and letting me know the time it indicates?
2:22
